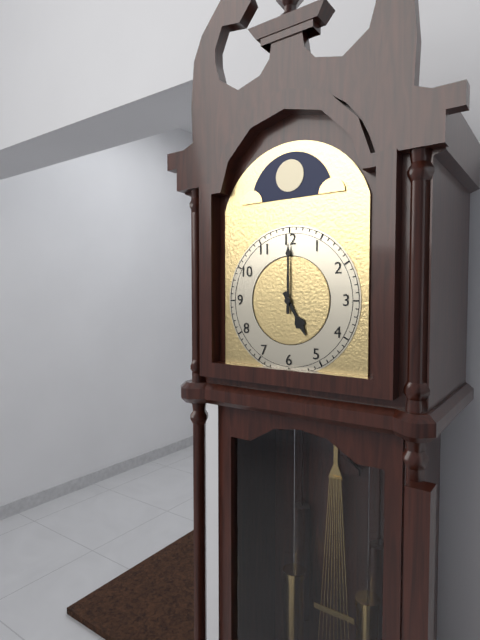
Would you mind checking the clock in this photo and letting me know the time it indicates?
5:00
